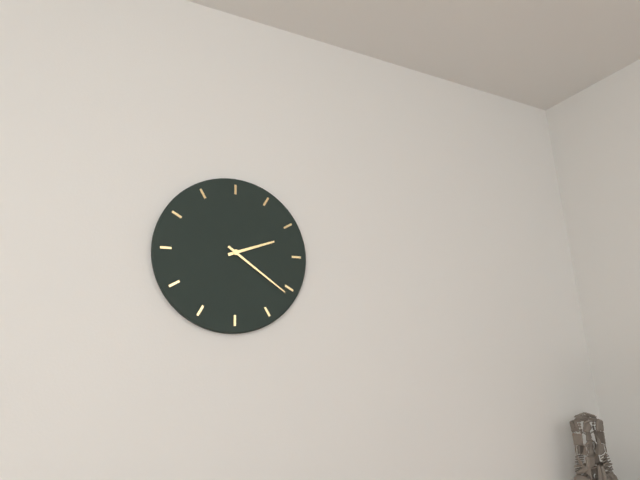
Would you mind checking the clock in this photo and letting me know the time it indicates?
2:21
